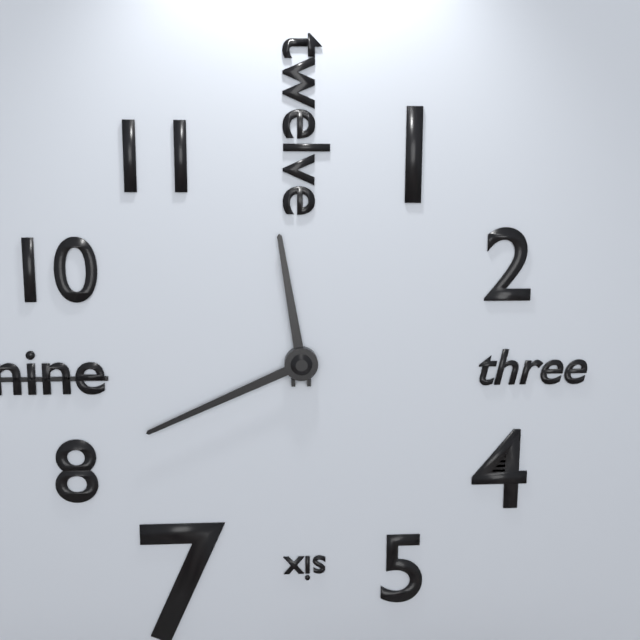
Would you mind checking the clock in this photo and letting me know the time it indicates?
11:41
